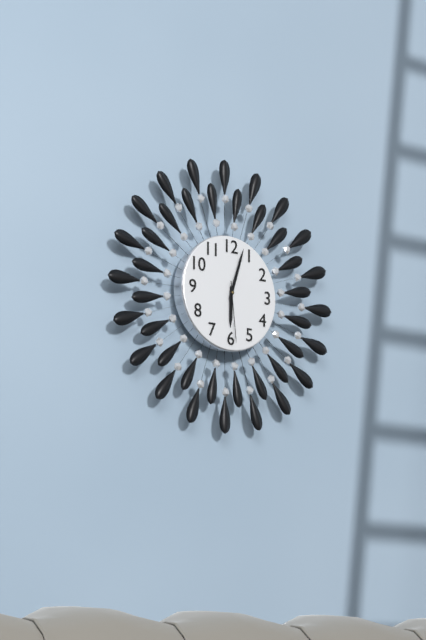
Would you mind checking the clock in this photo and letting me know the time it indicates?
6:03:29
